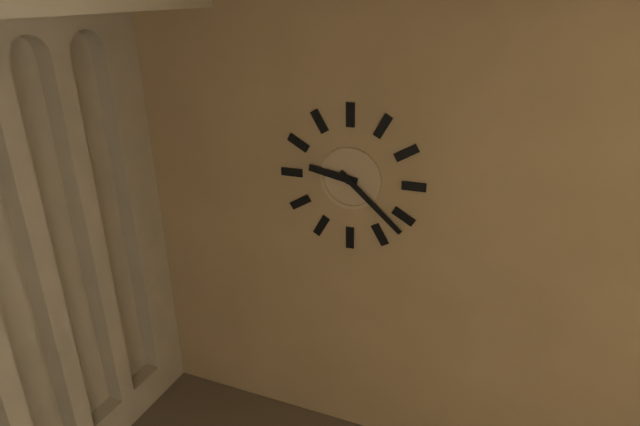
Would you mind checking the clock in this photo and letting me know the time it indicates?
9:22
